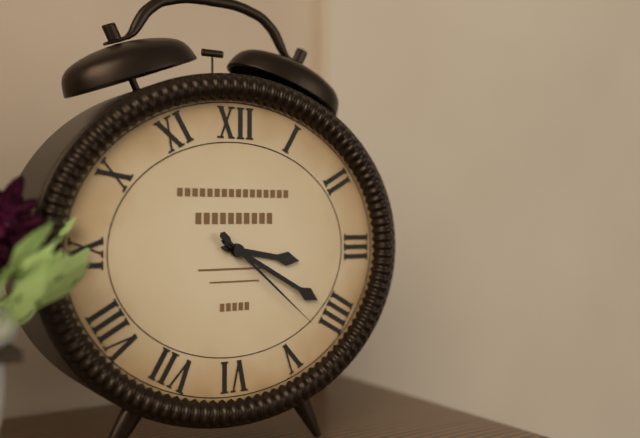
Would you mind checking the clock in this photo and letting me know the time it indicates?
3:20:22
